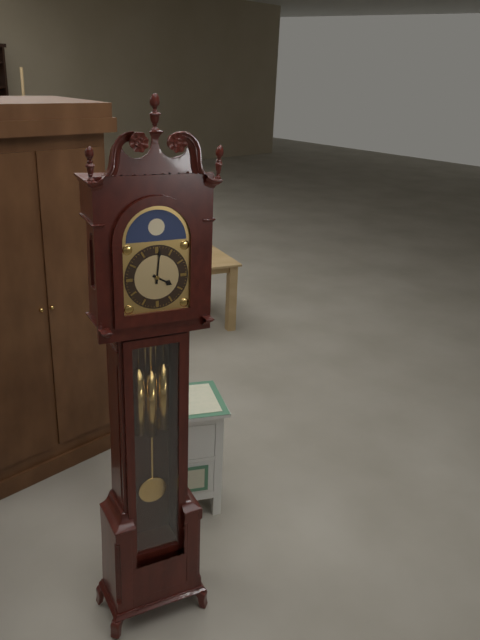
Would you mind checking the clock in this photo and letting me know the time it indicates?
4:01
